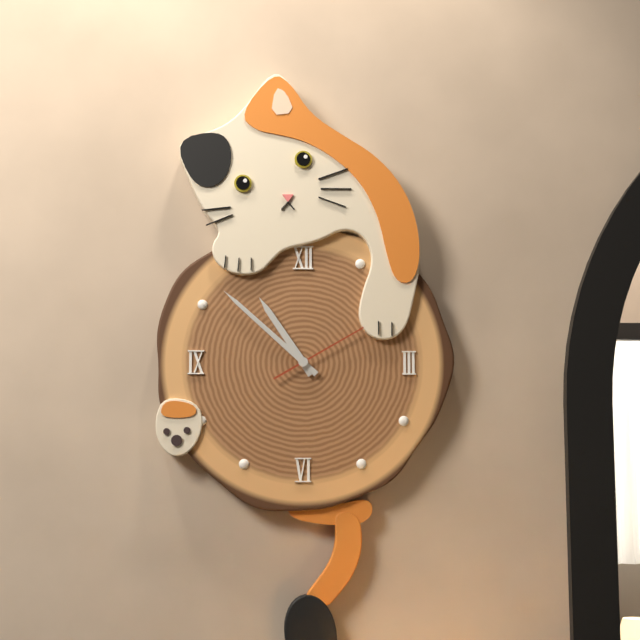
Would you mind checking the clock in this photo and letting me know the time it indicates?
10:52
